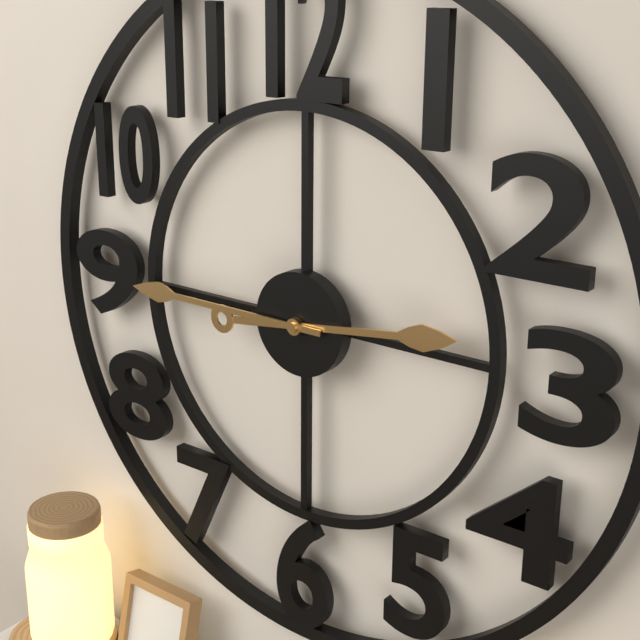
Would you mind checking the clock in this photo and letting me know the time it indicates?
2:45
